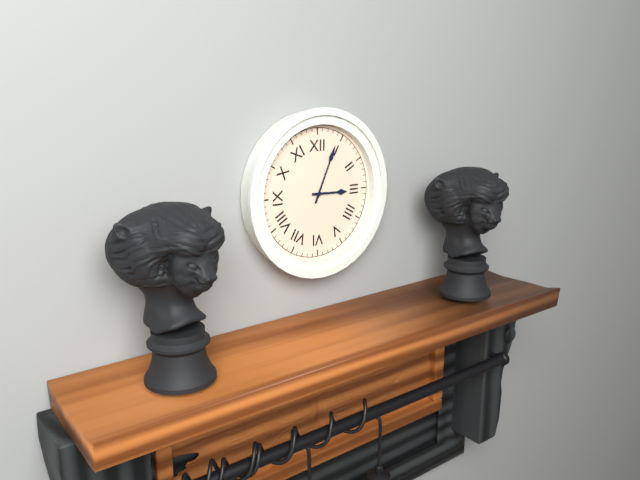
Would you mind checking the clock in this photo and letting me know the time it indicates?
3:04
